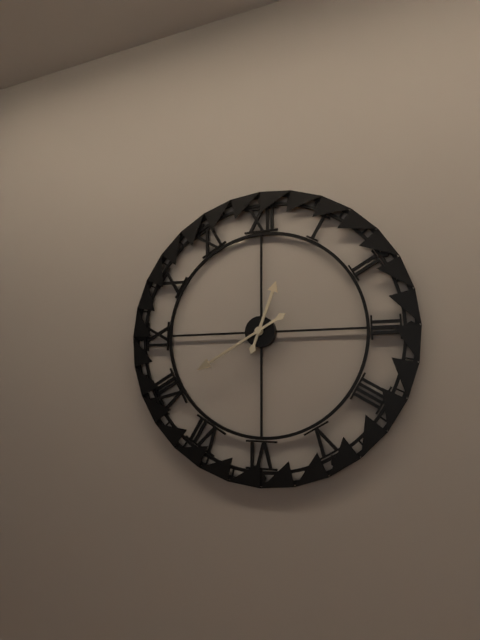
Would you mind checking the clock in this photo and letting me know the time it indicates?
12:40
